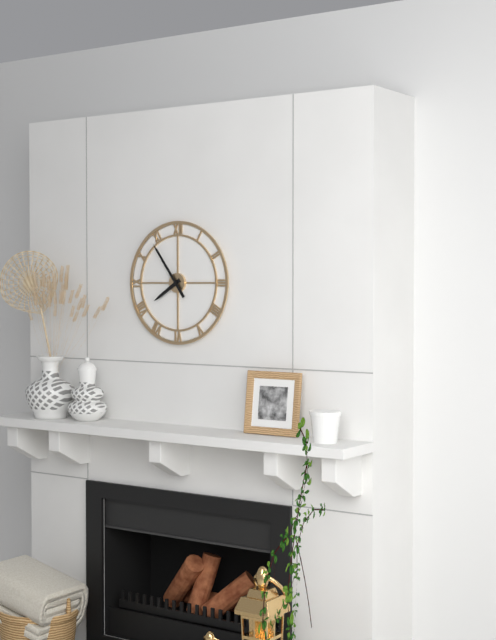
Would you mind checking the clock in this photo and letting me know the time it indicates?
7:54
